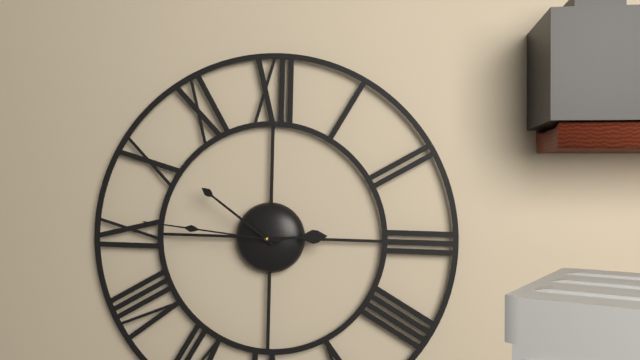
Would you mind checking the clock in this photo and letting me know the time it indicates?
2:51:46
